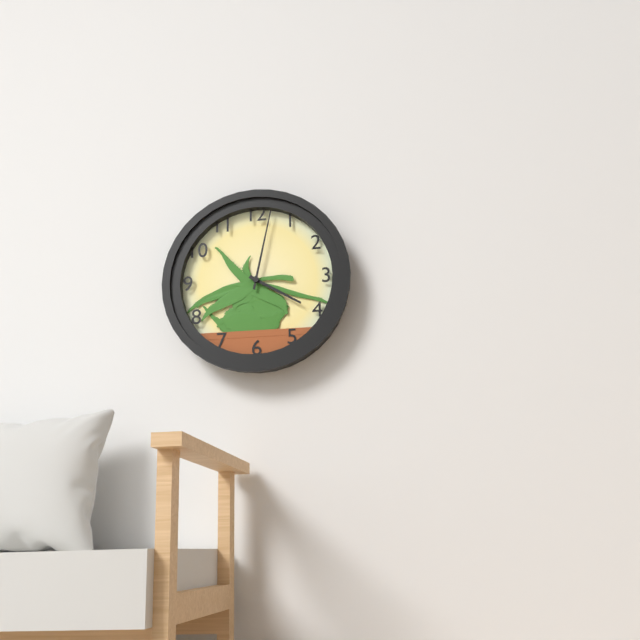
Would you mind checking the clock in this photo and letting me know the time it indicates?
4:02
